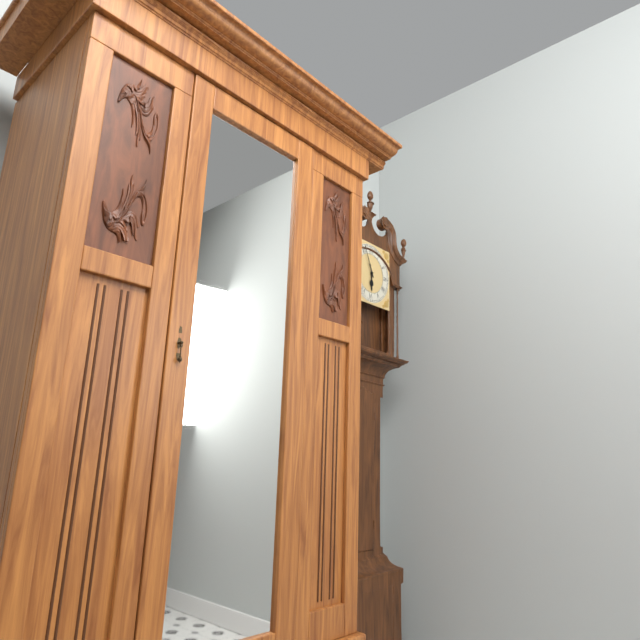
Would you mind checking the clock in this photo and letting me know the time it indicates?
5:56
